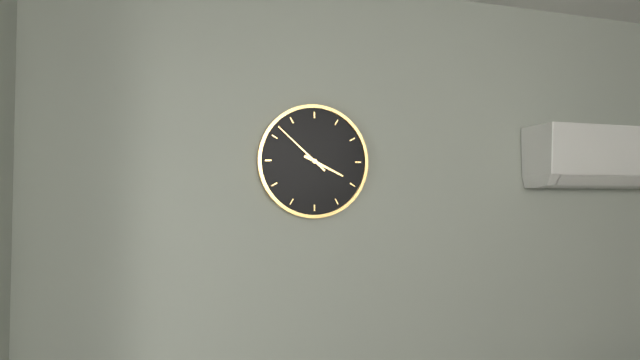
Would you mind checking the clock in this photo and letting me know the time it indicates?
3:52
